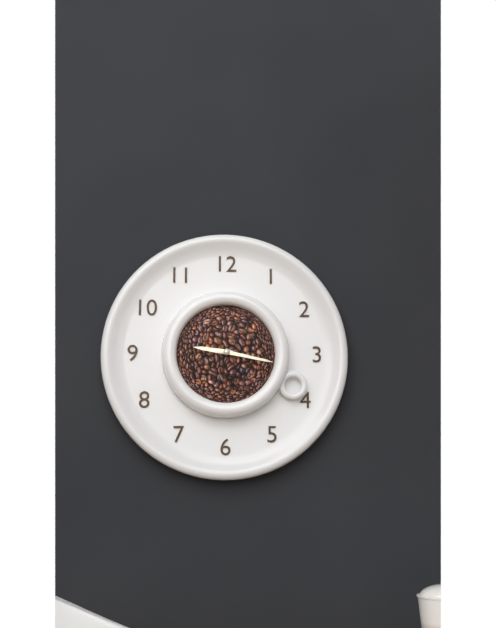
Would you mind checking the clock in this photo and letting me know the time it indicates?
9:17
